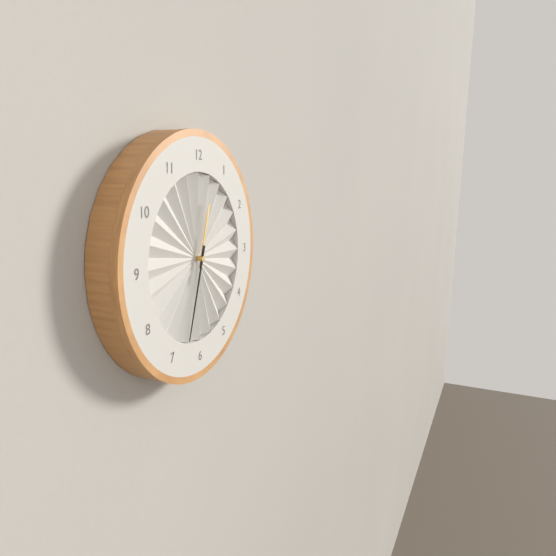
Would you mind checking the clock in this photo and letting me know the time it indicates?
12:33
